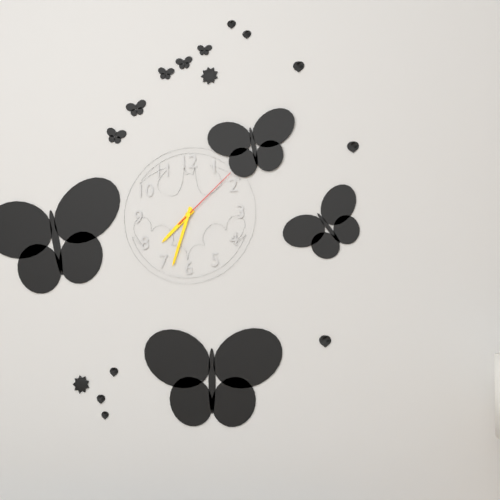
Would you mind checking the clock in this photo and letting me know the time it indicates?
7:33:08
